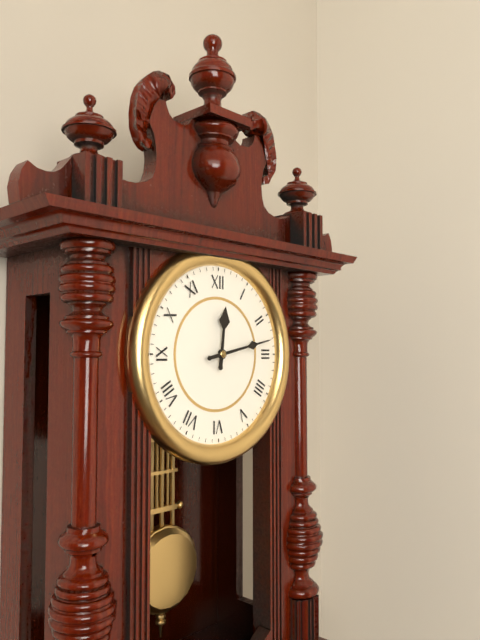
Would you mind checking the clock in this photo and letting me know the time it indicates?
12:13
